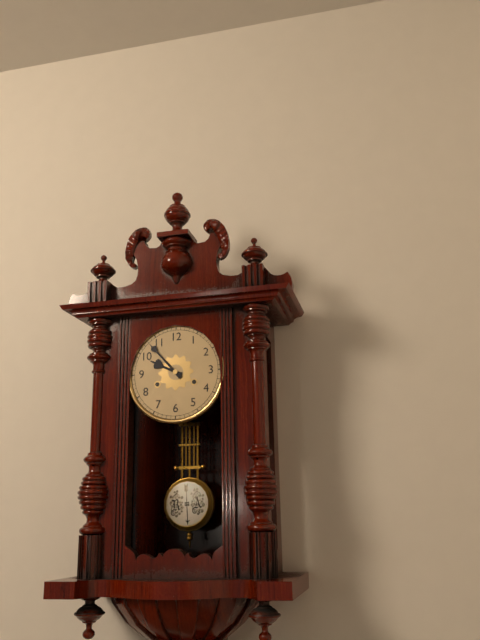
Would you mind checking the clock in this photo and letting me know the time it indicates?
9:53
